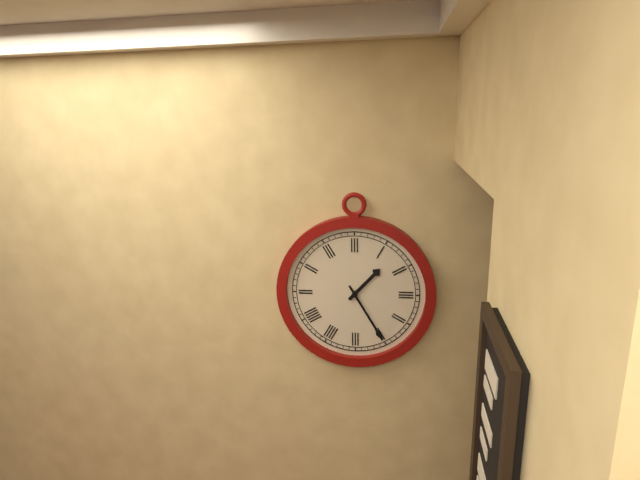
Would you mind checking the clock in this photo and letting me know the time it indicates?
1:25
